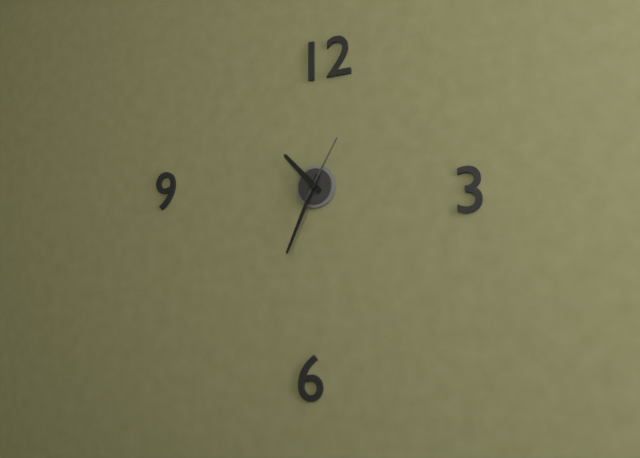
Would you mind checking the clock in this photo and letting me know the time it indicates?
10:34:05
